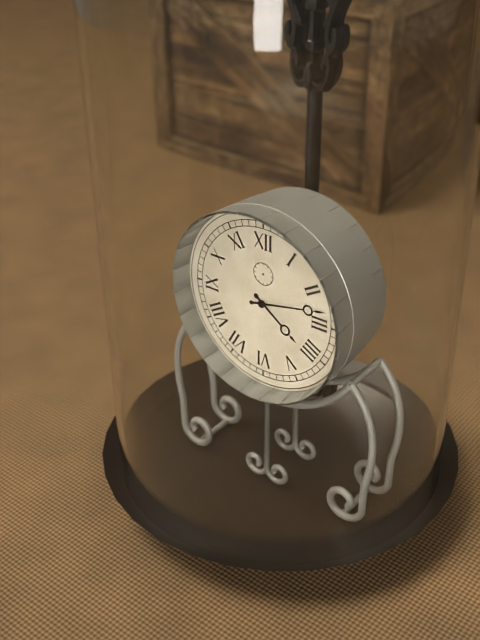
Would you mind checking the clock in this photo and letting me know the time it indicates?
4:13
